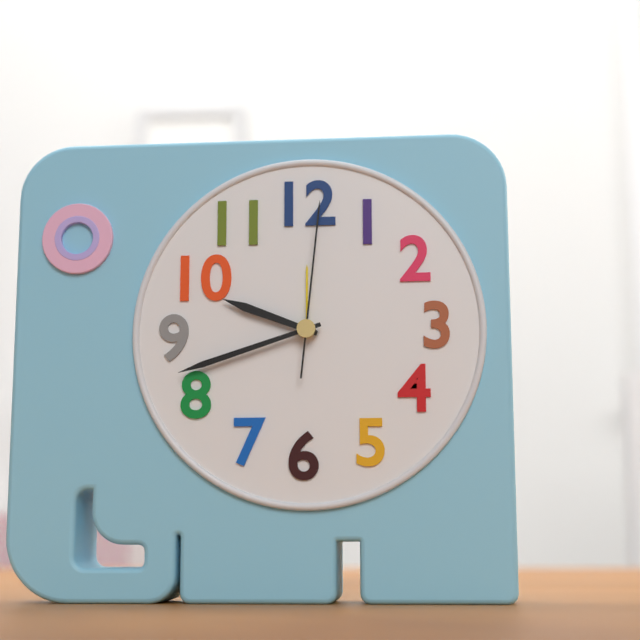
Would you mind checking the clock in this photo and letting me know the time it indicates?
9:42:01
